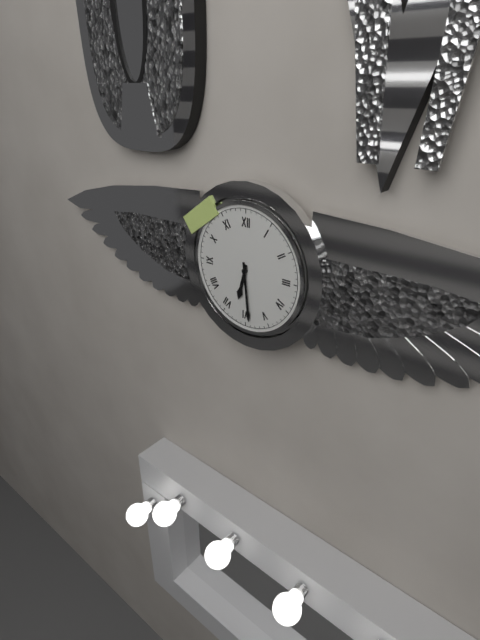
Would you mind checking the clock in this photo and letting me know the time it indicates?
6:29
